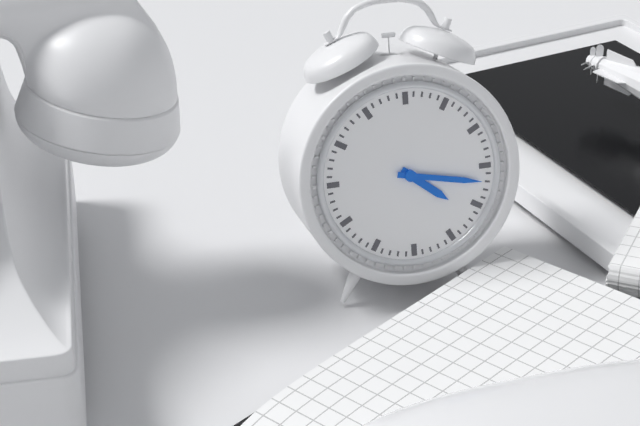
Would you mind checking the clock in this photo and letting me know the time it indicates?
4:17
